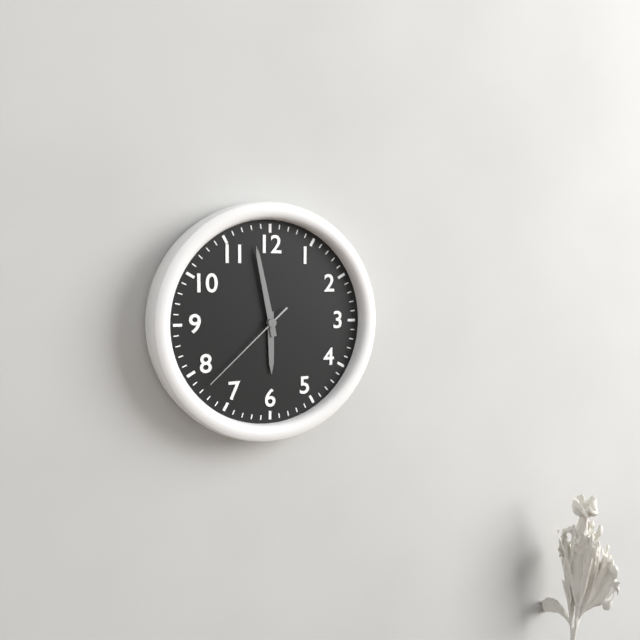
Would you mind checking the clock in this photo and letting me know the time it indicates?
5:58:38
